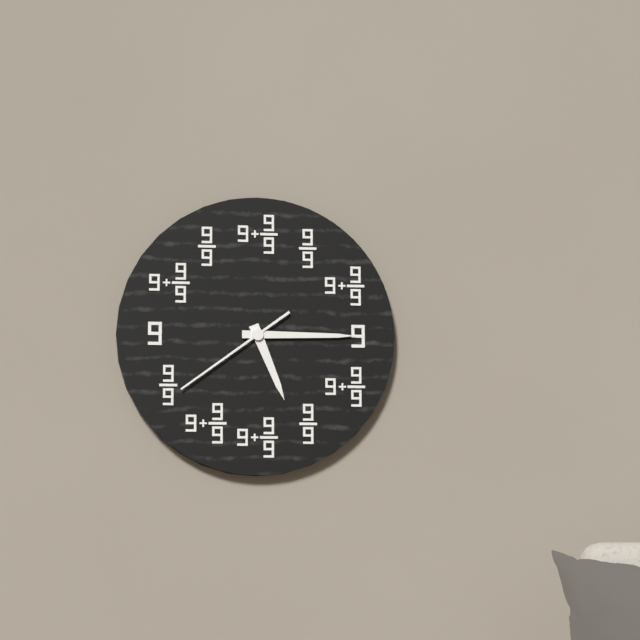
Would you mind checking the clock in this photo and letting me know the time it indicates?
5:15:39
